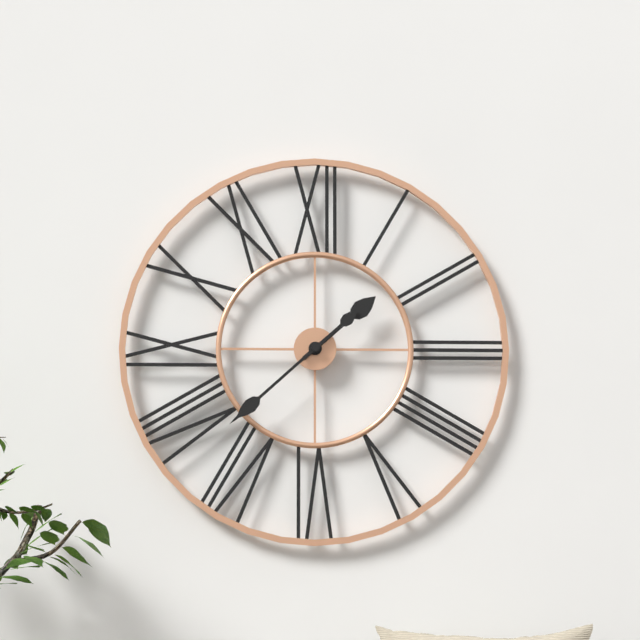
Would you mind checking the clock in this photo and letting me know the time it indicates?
1:38
